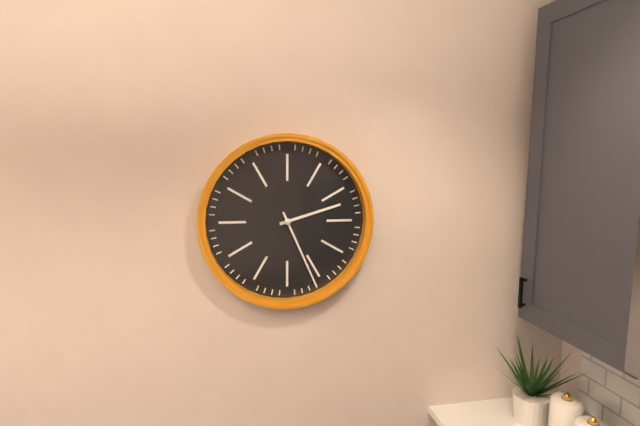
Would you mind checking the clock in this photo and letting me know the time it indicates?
2:26
